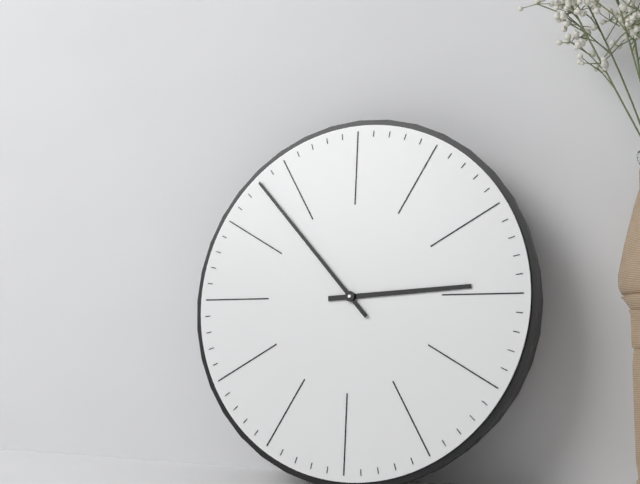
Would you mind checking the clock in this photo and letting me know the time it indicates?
2:53
